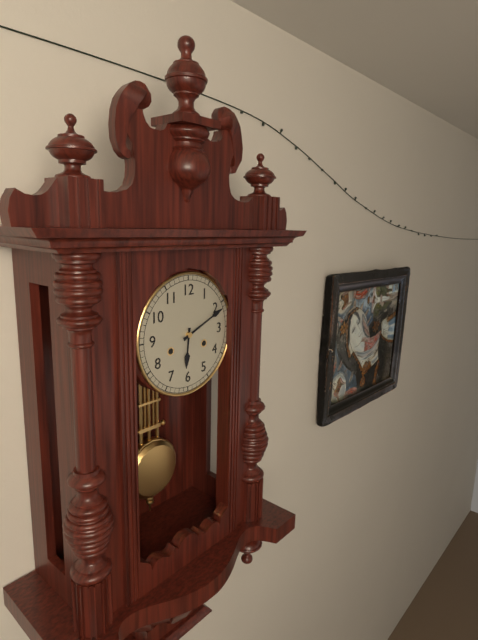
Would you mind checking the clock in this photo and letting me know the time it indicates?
6:11
